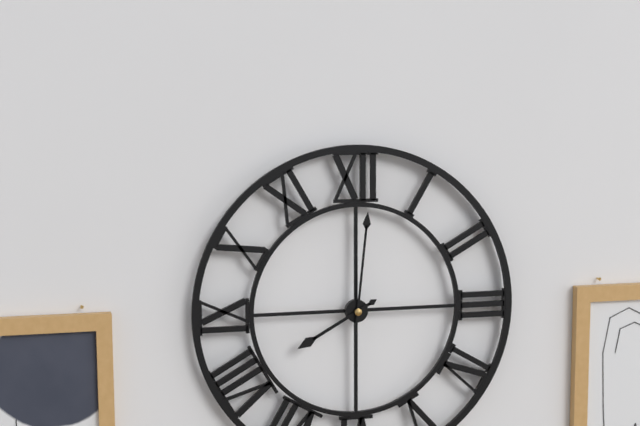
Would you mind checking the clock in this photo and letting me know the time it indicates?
8:01
